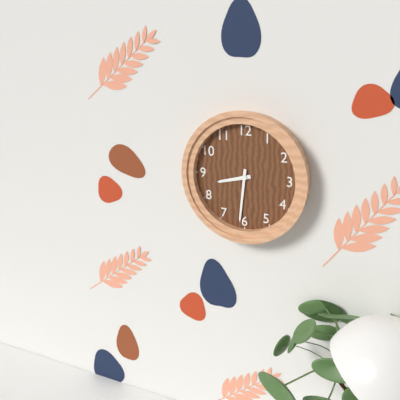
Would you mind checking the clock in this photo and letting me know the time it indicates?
8:31
